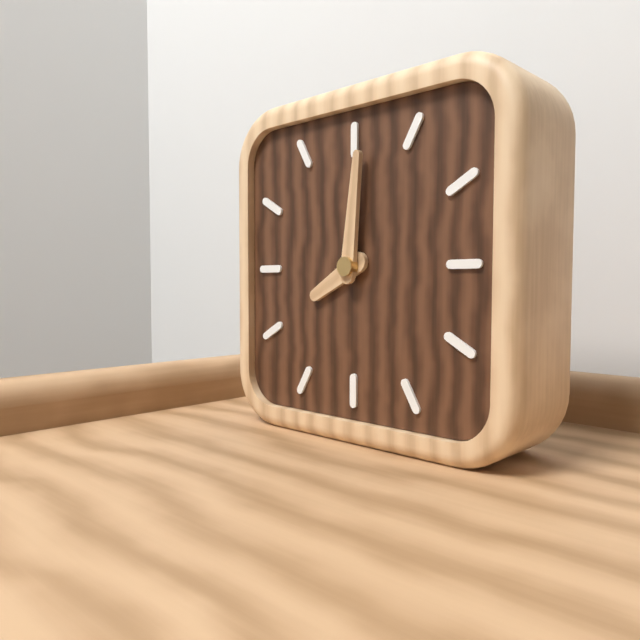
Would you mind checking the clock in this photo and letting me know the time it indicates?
8:01
